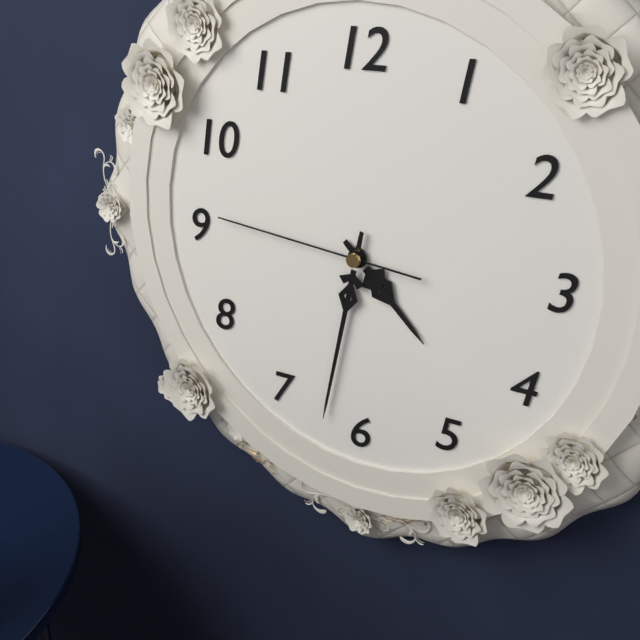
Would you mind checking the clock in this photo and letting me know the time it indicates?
4:32:46
